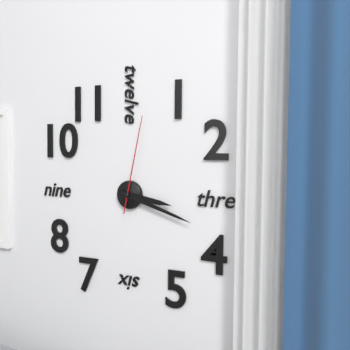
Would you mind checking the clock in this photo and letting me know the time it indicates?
3:18:02
